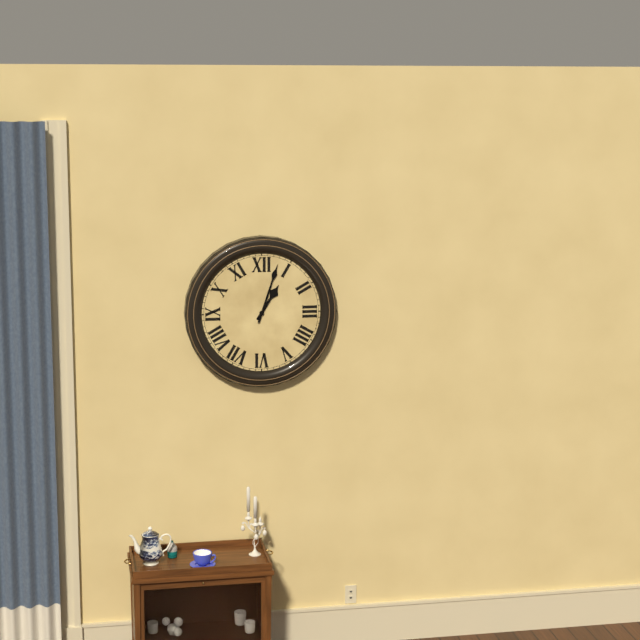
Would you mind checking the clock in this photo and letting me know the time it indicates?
1:03
